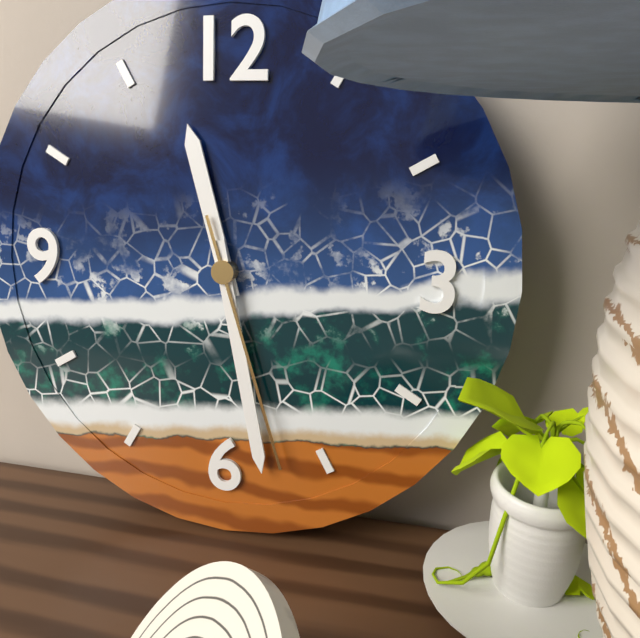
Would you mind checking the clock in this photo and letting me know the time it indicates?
11:28:27
